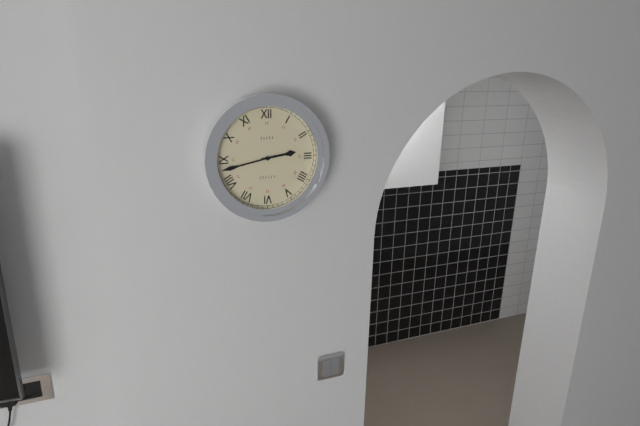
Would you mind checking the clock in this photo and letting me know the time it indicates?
2:43
